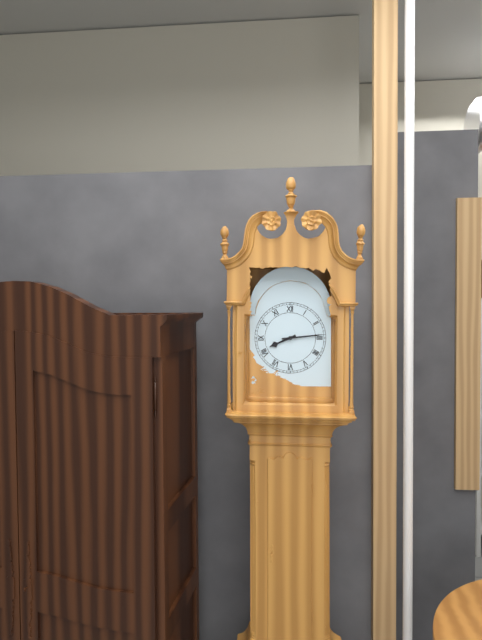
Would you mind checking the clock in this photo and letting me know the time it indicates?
8:14
